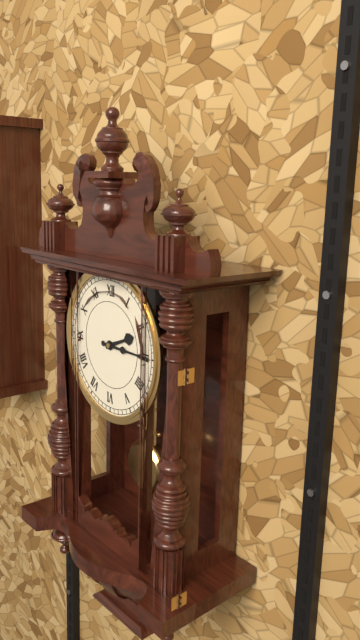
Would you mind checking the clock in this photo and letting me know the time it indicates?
2:15
